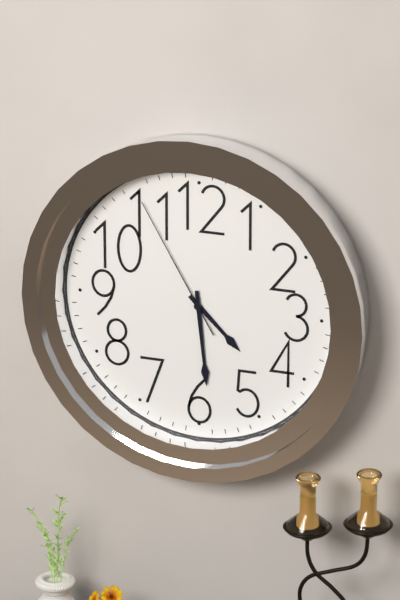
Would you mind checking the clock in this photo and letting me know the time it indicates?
4:29:55
